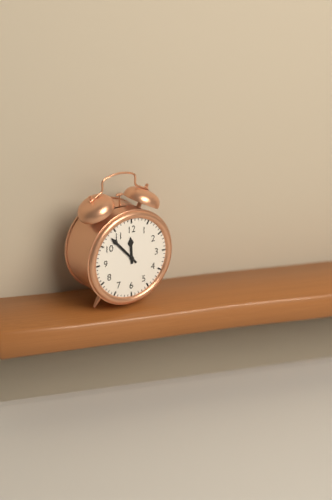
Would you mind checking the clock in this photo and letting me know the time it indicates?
11:53
